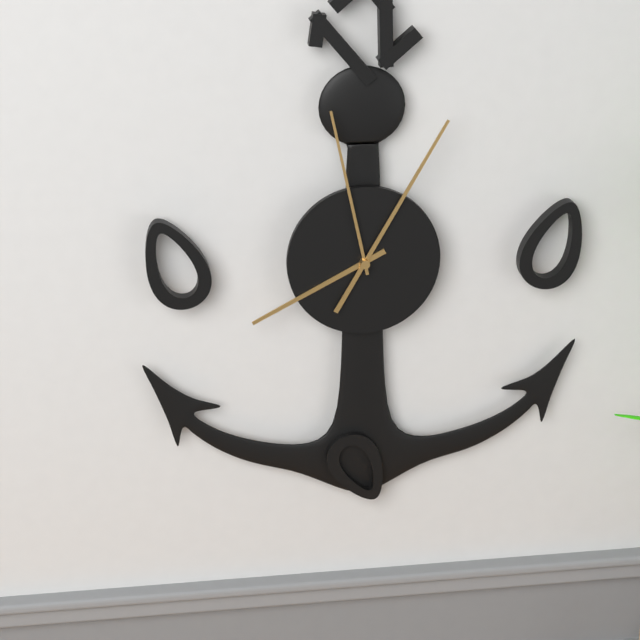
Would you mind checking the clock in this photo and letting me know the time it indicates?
8:05:58
